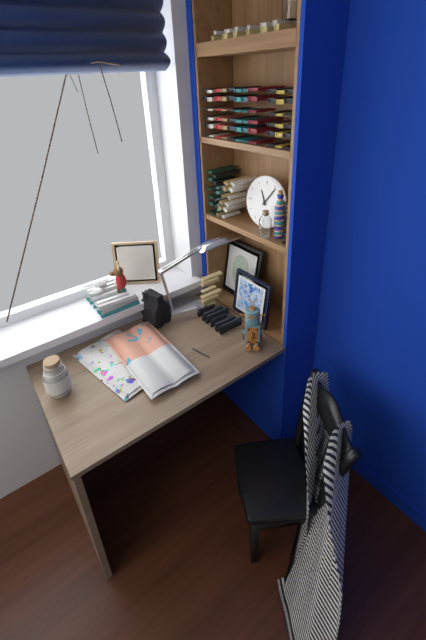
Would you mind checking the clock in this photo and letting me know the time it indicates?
11:06
